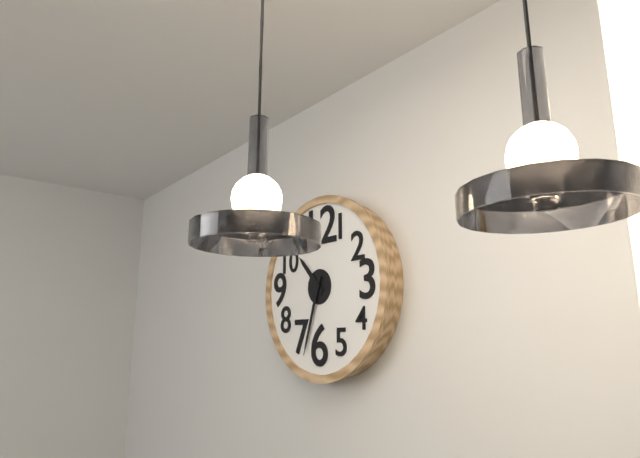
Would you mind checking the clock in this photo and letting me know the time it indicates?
10:33
